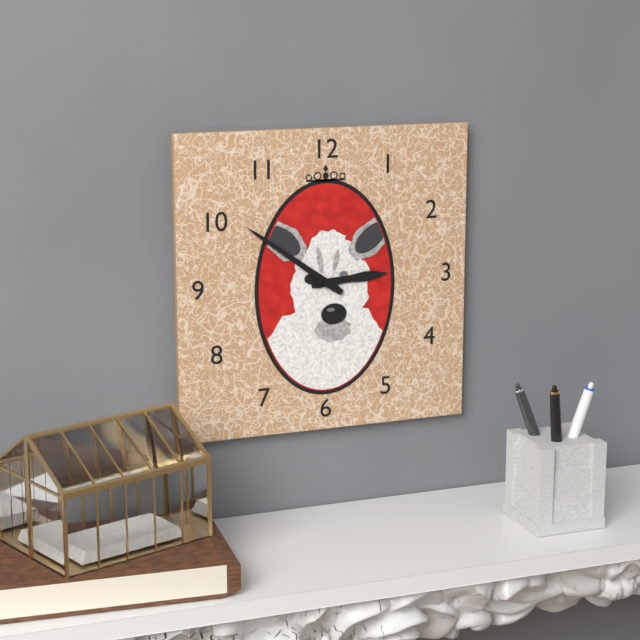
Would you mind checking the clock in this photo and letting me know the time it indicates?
2:51
